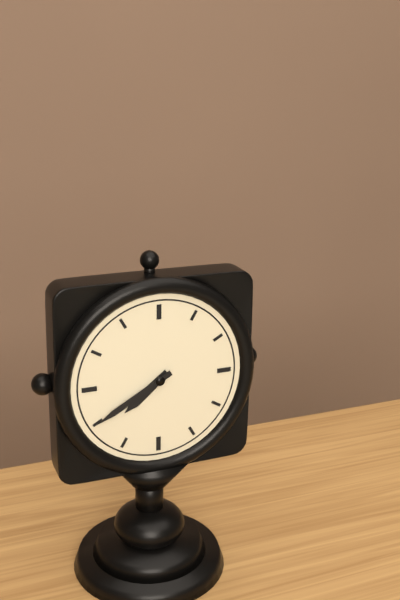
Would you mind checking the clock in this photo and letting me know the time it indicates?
7:40
